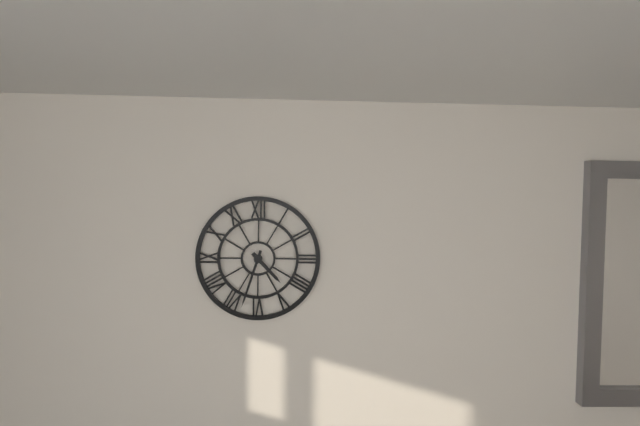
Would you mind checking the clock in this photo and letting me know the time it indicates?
4:33
